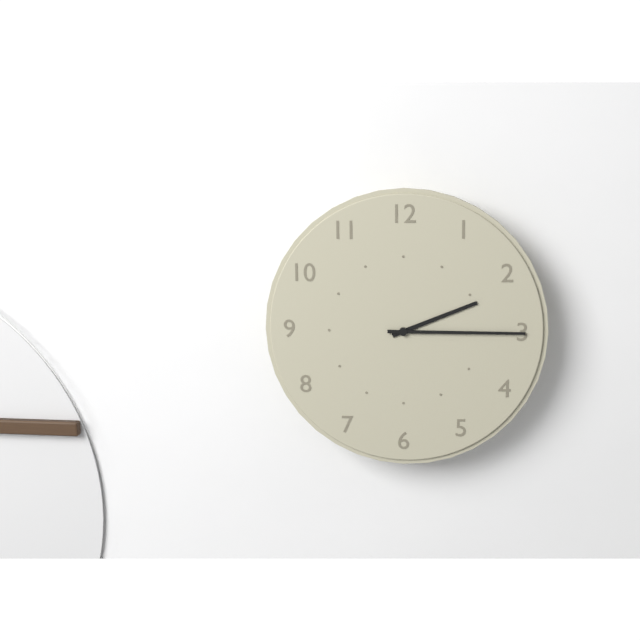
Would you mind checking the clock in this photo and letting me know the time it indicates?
2:15
